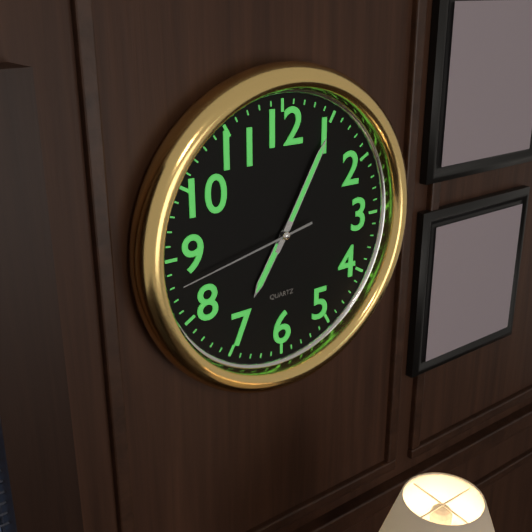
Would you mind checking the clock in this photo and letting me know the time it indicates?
7:05:43
